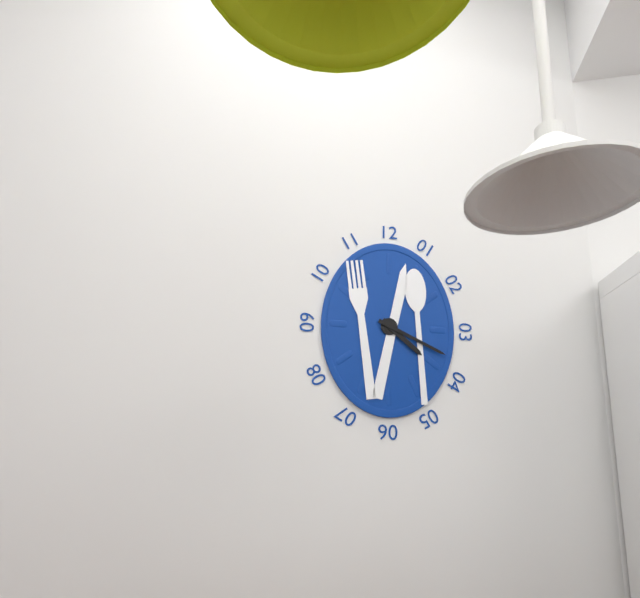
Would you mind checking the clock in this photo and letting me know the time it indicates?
4:19
